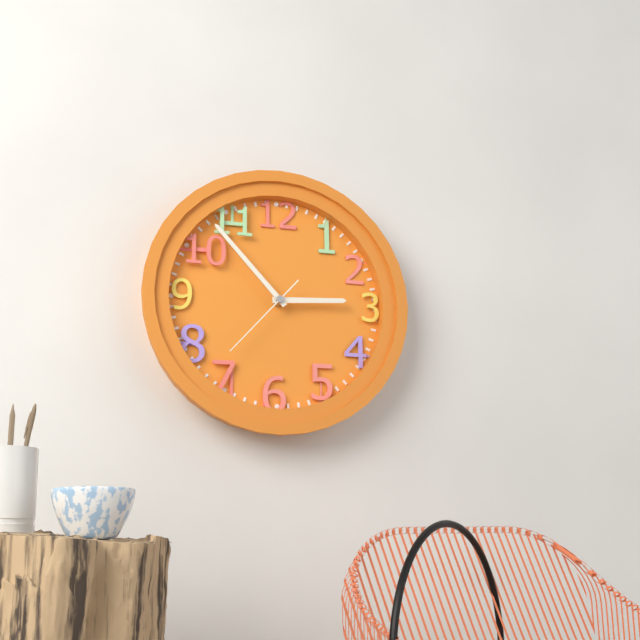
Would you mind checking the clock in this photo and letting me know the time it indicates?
2:53:37
